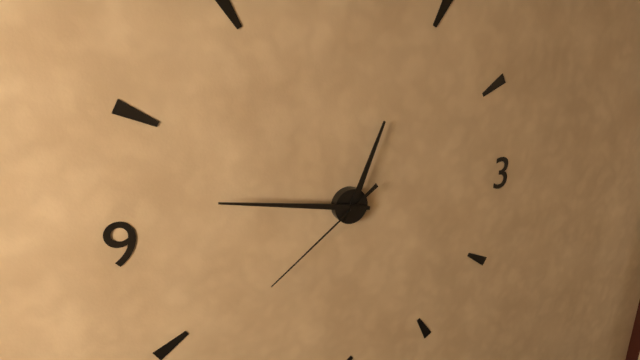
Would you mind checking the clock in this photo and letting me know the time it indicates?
12:47:39
